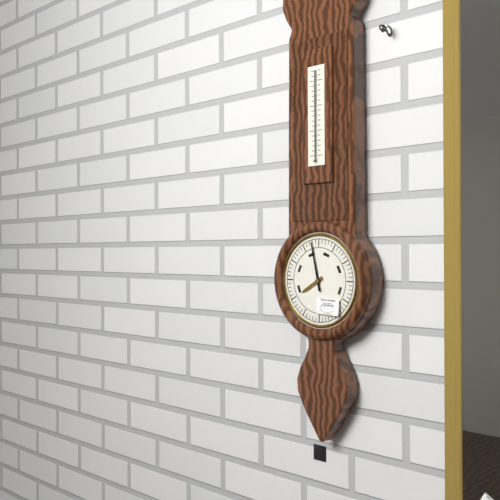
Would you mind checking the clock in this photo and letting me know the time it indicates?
7:58
